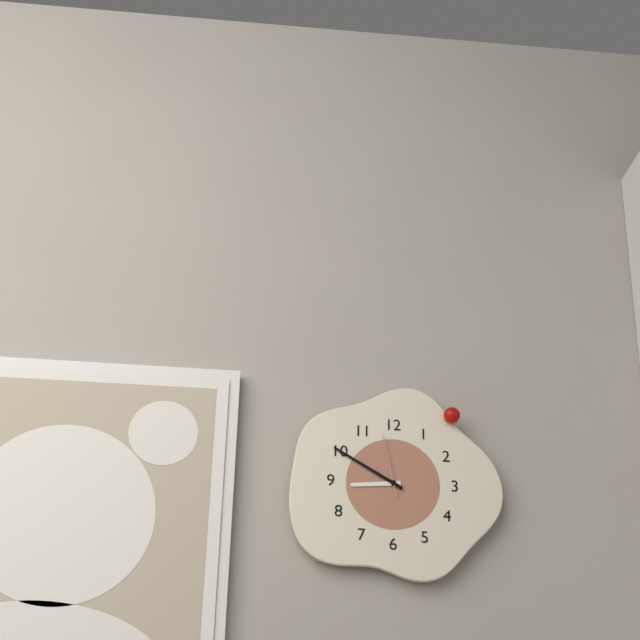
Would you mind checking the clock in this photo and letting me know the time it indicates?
8:50:58
